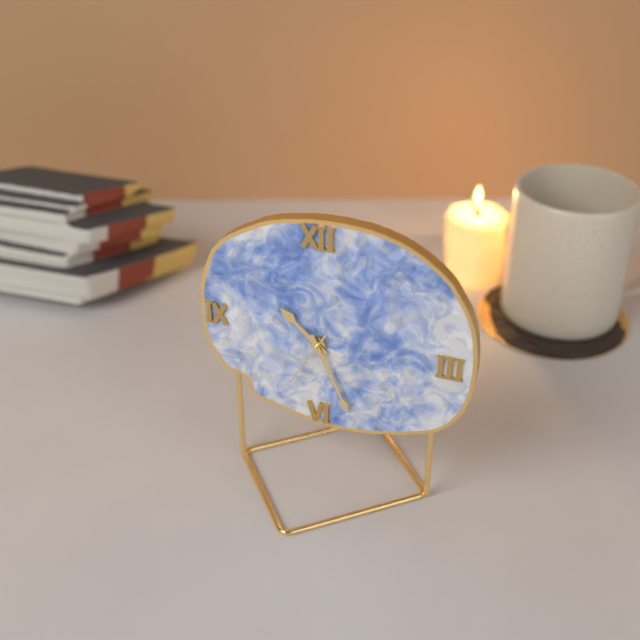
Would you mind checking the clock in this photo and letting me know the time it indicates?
10:26:35
